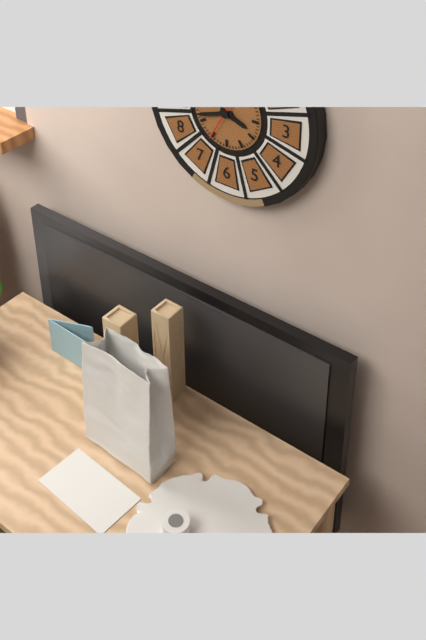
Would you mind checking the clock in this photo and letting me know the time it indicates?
3:42
